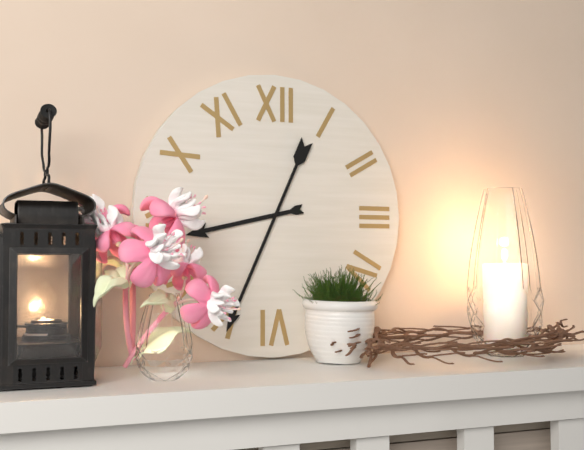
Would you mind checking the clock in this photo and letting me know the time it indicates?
8:34
